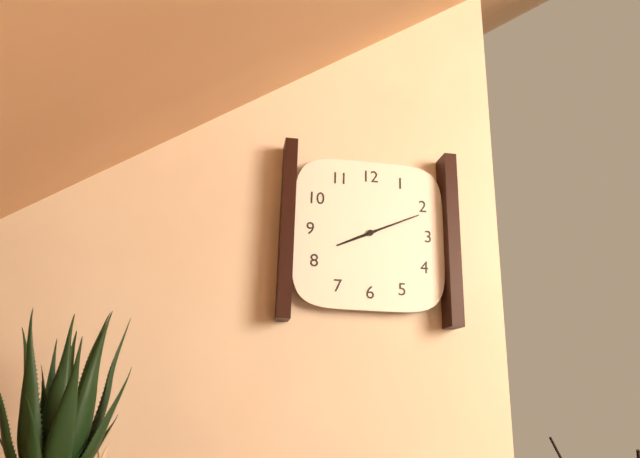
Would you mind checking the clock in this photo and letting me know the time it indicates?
8:11
